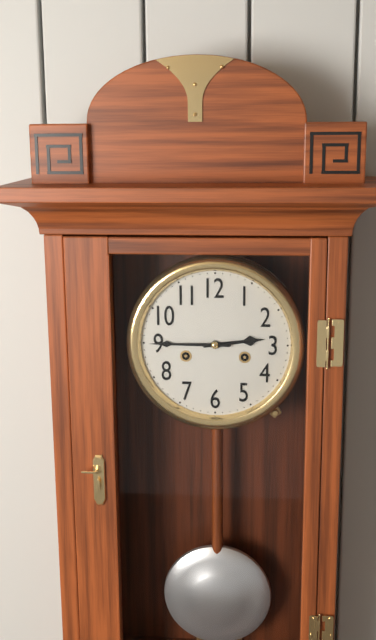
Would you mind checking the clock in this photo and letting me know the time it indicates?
2:45
